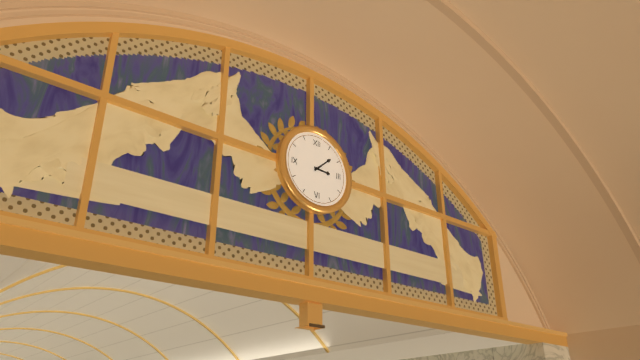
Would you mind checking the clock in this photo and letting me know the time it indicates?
3:08
